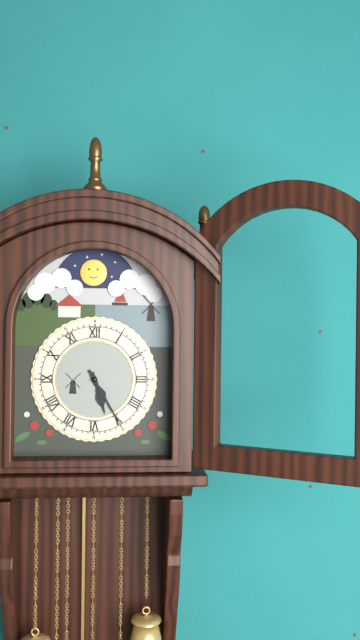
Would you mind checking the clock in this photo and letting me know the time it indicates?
5:25
